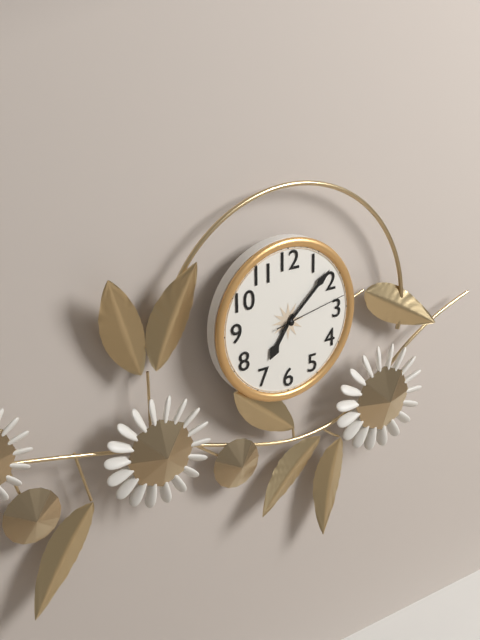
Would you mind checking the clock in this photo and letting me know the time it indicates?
7:08:13
